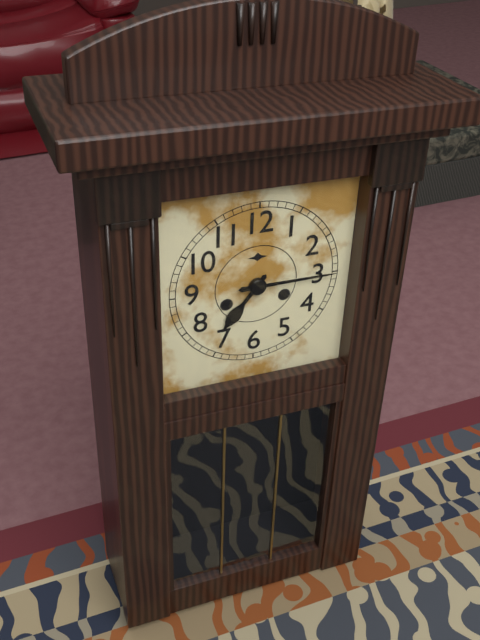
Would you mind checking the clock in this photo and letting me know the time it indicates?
7:15
